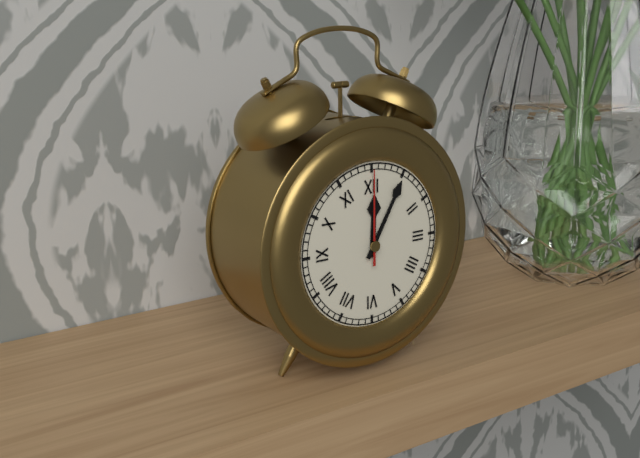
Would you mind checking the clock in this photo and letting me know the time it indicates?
12:05:00
